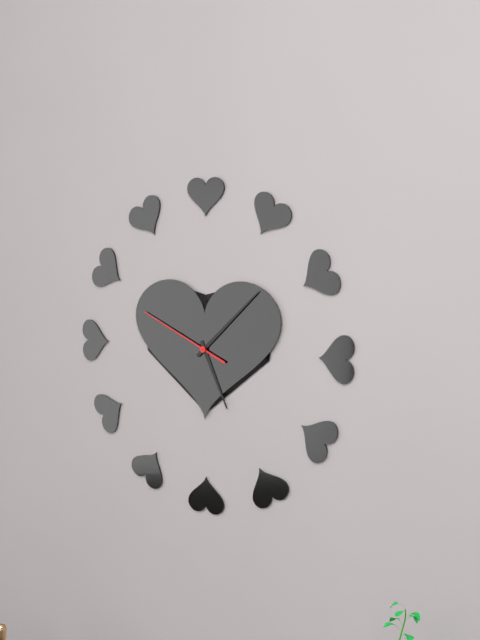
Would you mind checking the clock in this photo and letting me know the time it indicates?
5:08:49
